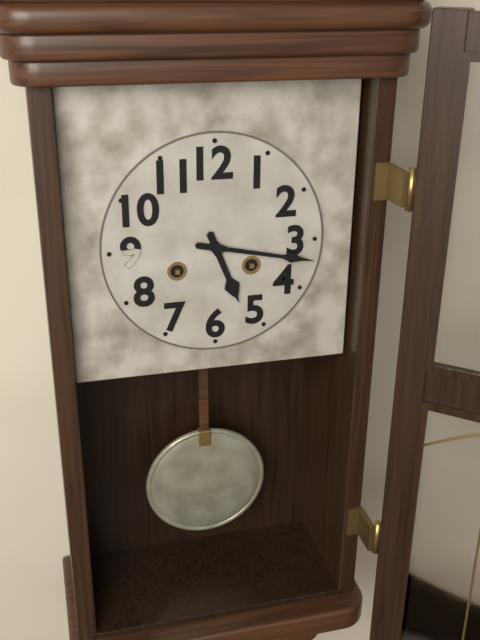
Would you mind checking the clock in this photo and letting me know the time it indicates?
5:17
